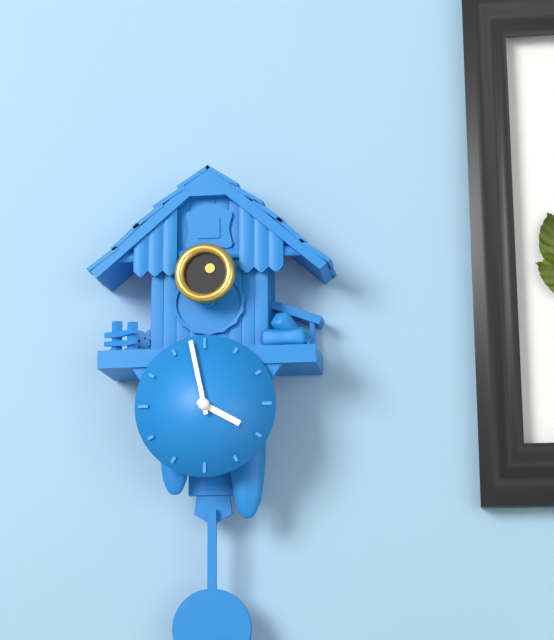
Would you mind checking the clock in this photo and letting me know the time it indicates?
3:58
